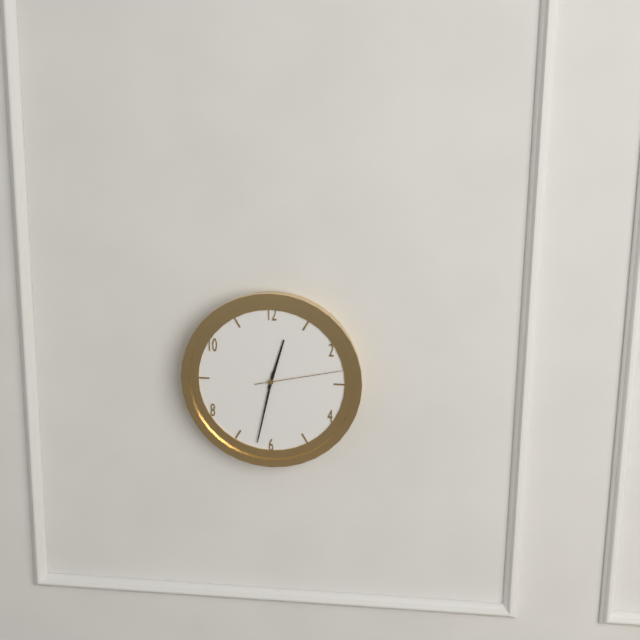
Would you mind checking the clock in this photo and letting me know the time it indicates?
12:32:13
